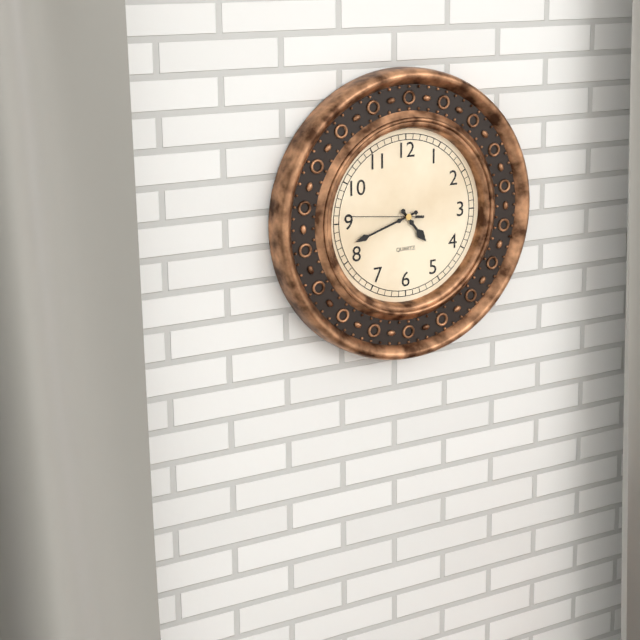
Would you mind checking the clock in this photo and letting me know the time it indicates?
4:42:46
